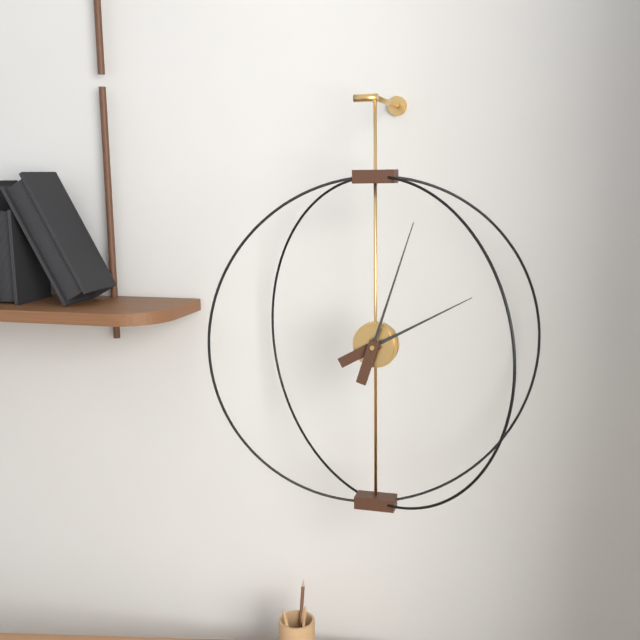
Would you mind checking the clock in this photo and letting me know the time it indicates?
2:03
